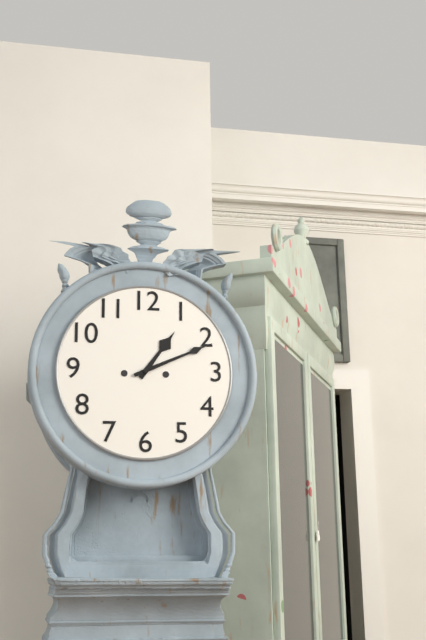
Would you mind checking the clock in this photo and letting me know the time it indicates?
1:11
